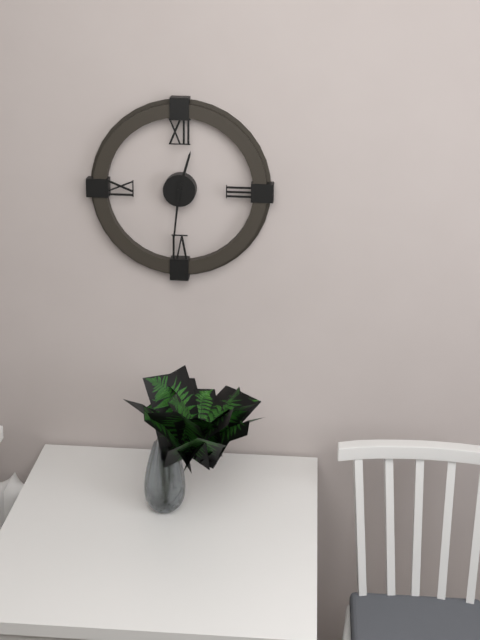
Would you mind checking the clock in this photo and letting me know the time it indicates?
12:31
